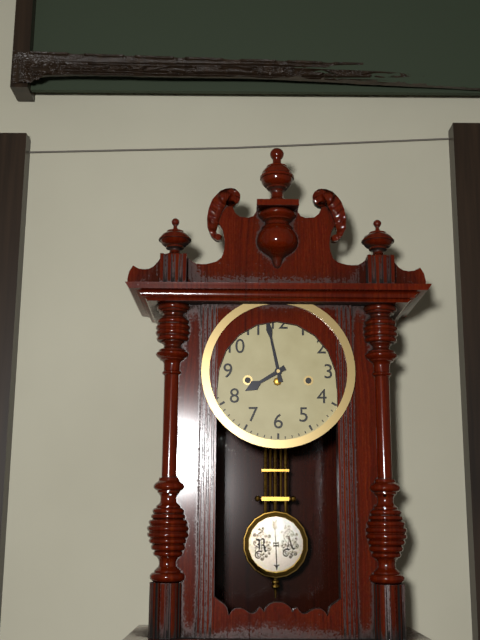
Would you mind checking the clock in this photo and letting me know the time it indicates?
7:58
